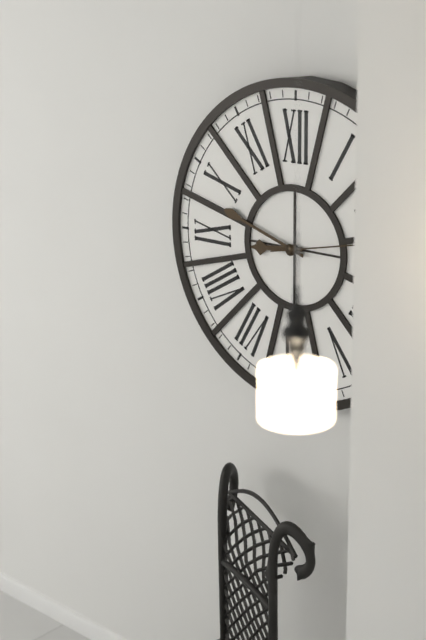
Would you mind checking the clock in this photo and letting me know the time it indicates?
8:48:13
